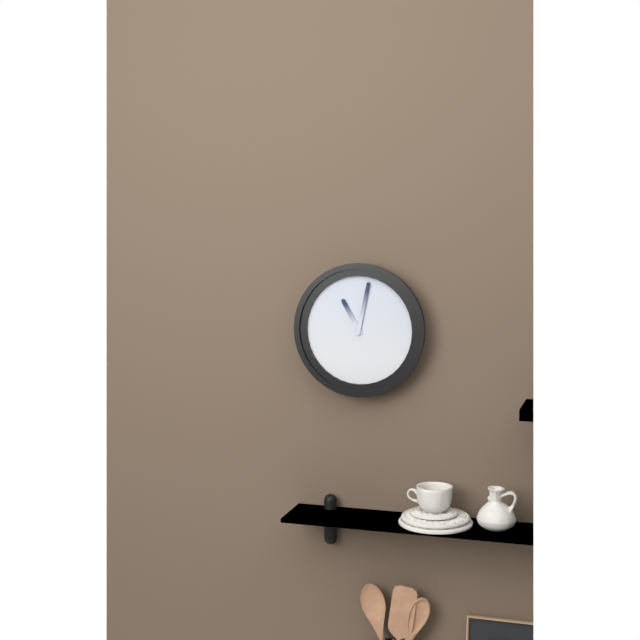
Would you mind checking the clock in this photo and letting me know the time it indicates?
11:02
